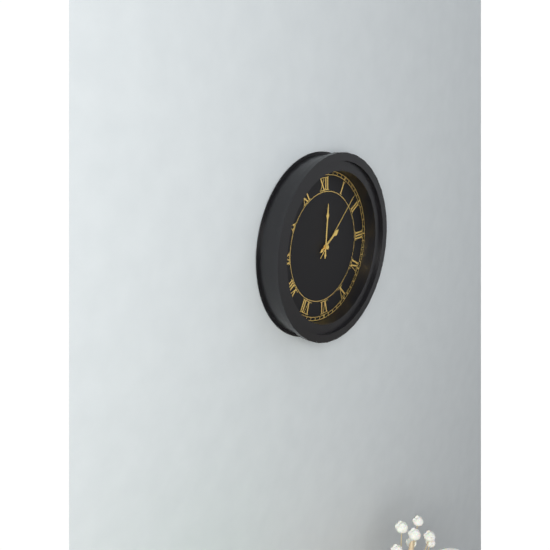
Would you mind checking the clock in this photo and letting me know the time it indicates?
2:01:08
